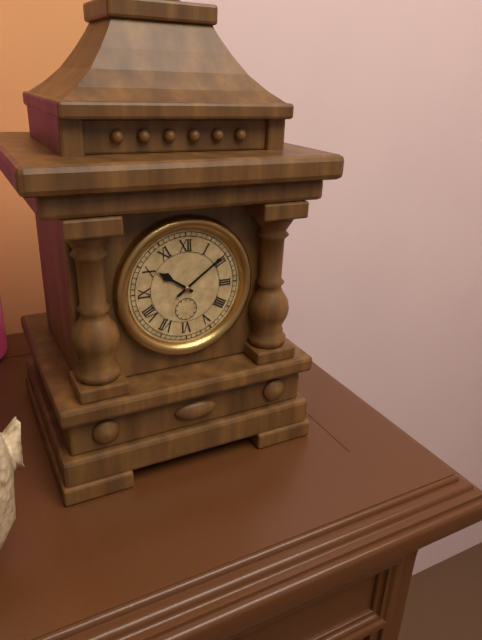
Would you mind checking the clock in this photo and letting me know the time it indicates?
10:09
